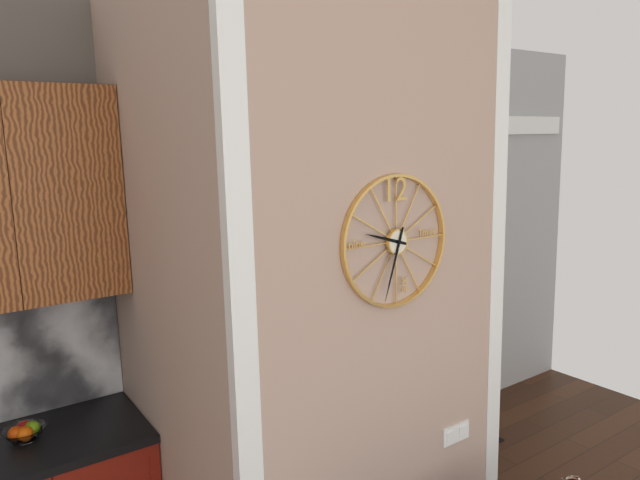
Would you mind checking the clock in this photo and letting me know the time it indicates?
9:33
